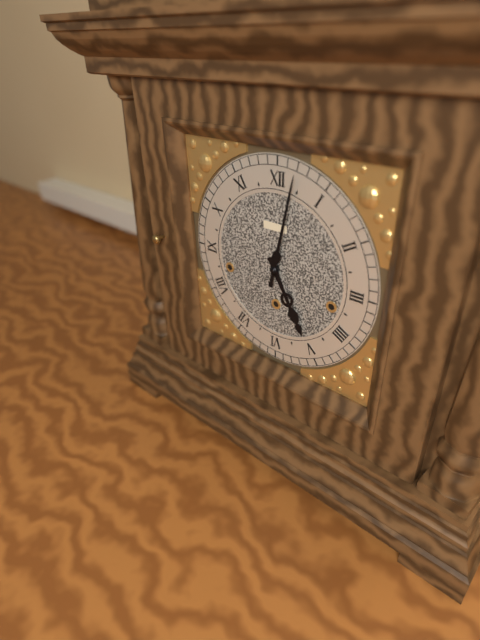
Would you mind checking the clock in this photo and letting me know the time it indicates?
5:02
